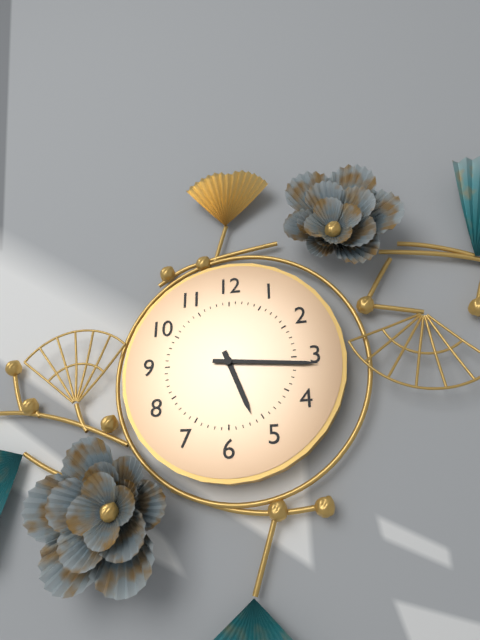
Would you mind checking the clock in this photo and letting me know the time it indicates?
5:16
